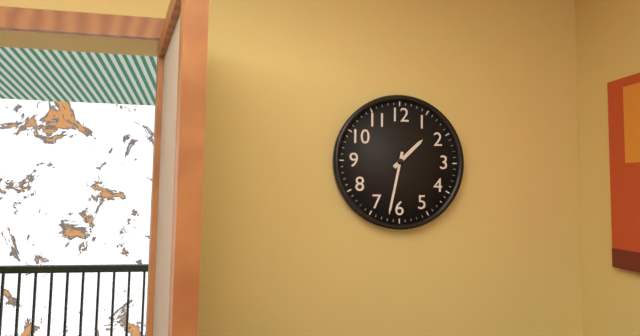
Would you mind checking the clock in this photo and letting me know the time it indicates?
1:32
